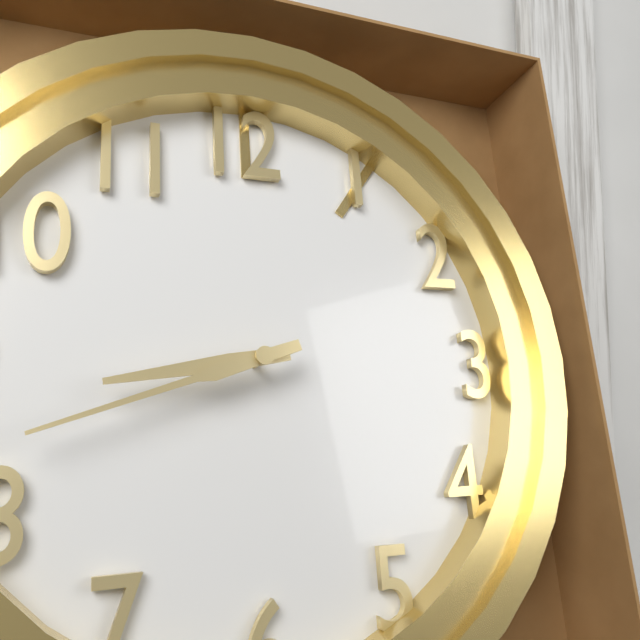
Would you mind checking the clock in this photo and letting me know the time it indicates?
8:42
